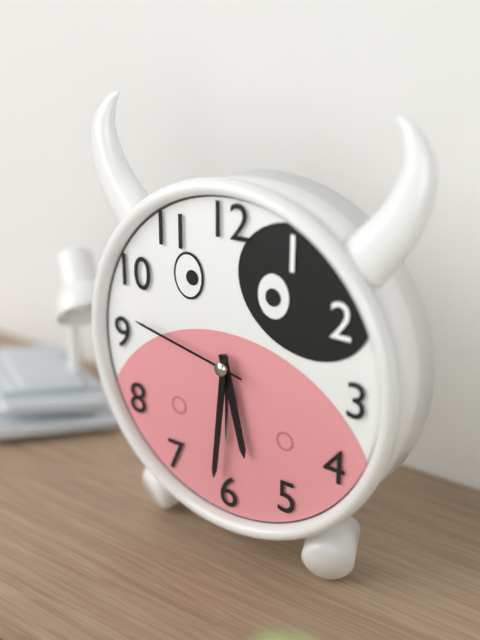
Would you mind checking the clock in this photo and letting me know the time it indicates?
5:31:47
